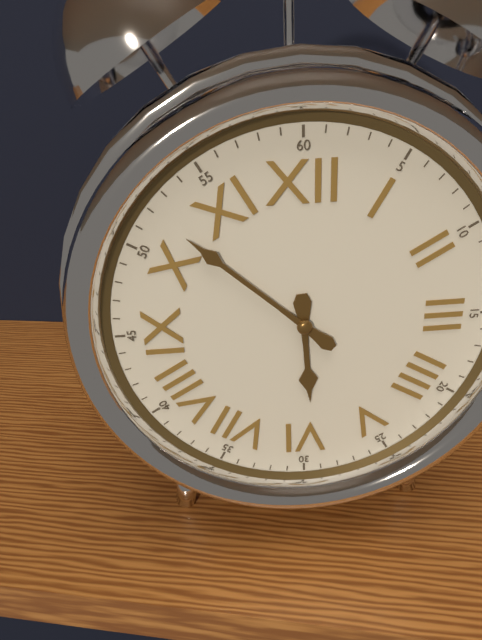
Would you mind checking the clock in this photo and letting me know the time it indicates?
5:52
